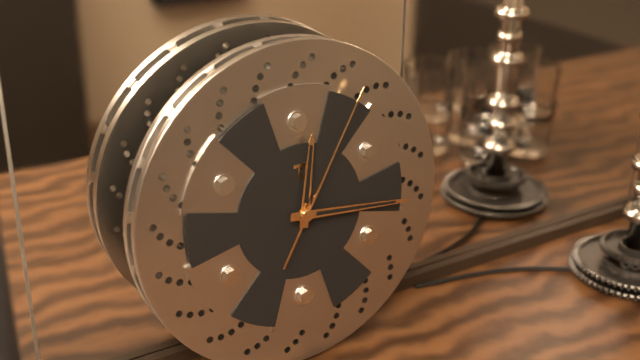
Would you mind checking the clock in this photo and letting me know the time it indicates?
12:16:05
